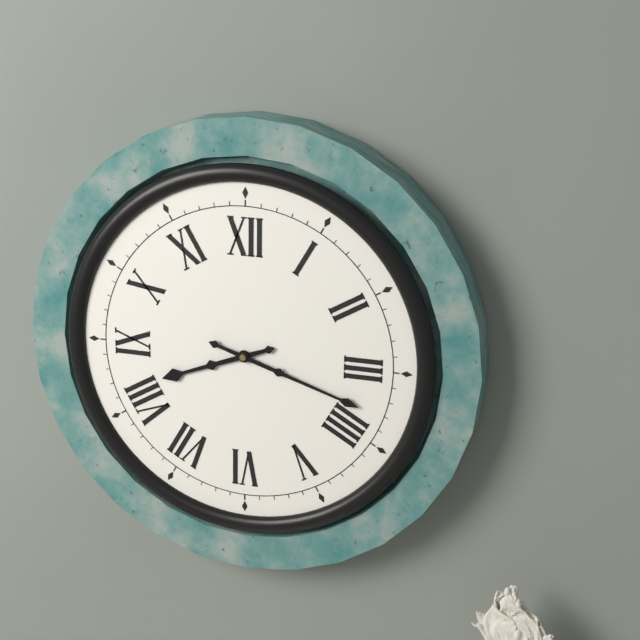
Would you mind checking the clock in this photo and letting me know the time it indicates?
8:18
